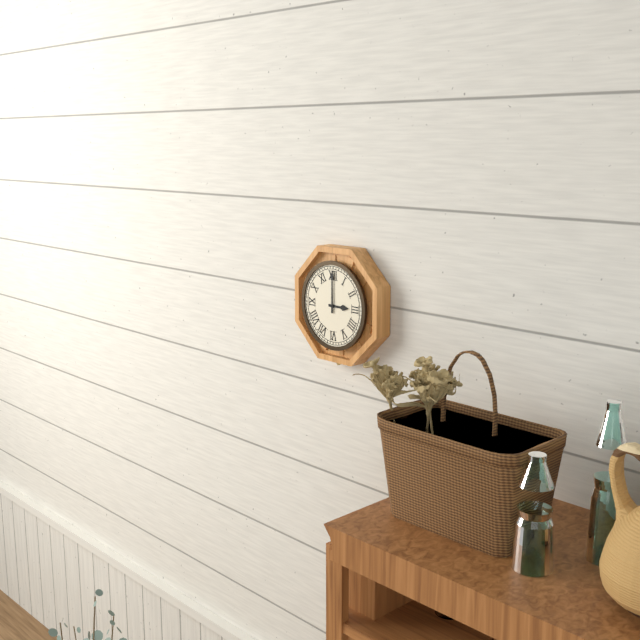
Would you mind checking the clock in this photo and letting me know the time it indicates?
3:00
